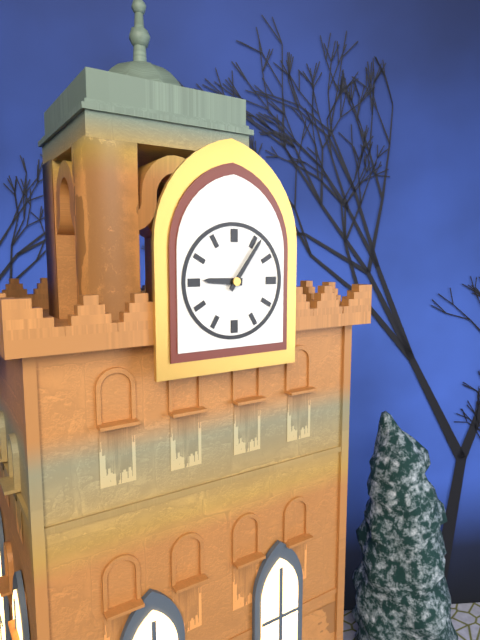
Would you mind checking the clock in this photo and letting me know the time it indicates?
9:06
